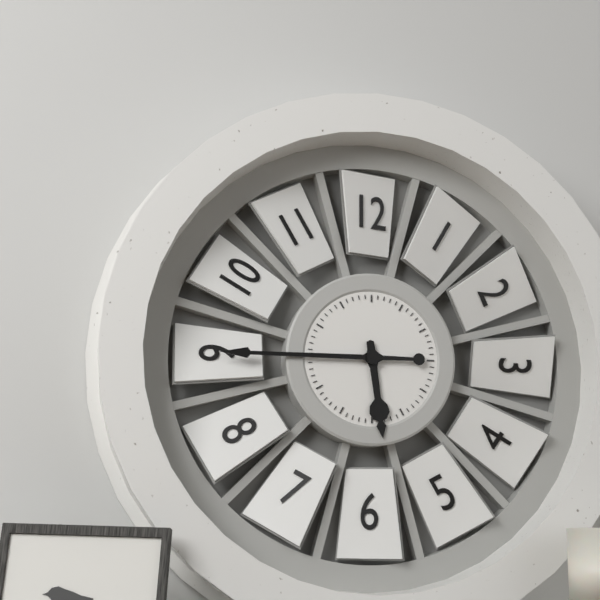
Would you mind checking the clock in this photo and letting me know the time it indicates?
5:45
